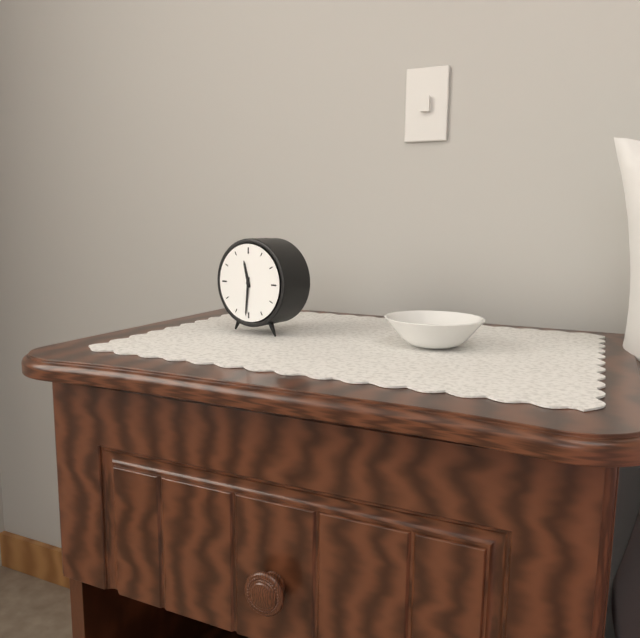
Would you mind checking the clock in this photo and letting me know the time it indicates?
11:31
